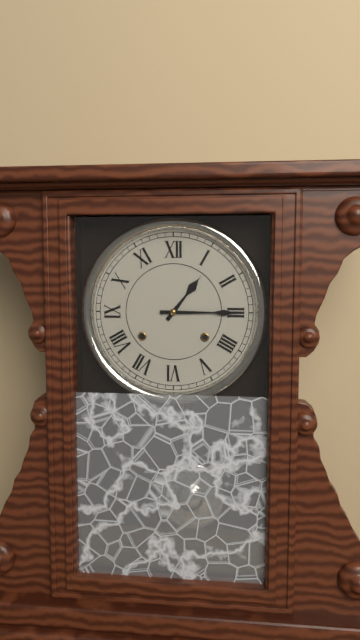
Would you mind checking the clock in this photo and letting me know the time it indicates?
1:15
